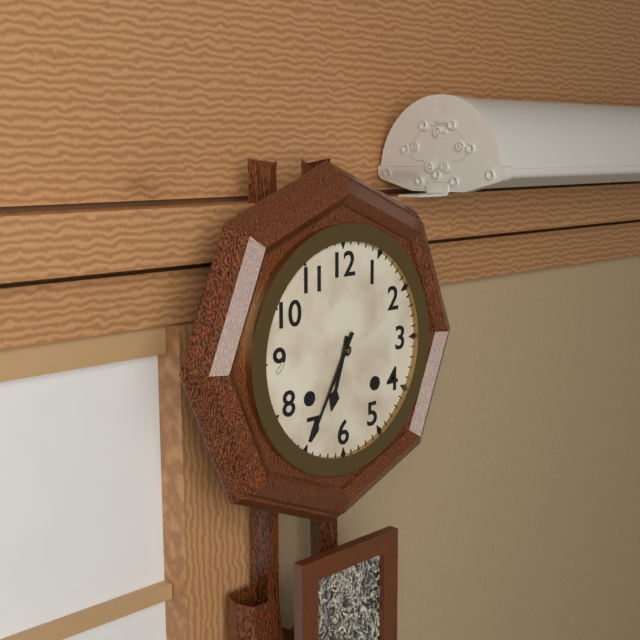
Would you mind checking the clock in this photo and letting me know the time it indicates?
6:35
